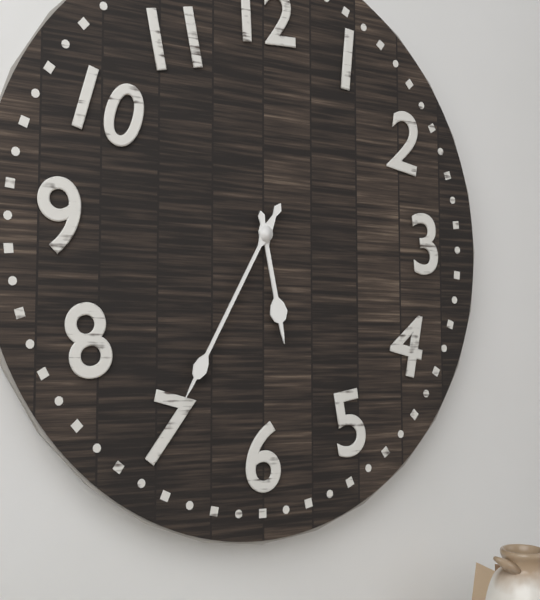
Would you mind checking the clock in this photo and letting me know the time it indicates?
5:35
